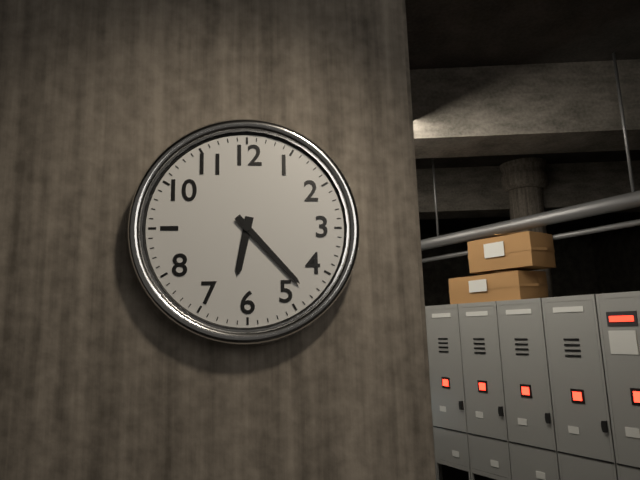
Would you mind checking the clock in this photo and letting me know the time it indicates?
6:23
